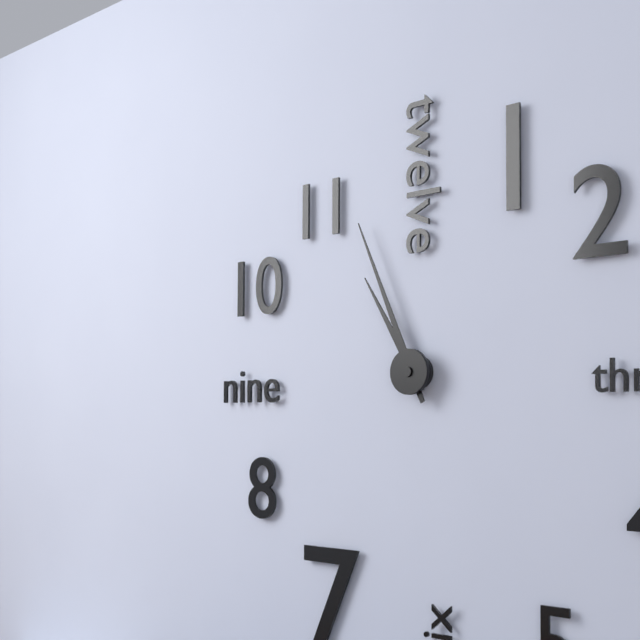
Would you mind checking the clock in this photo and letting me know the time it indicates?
10:56
